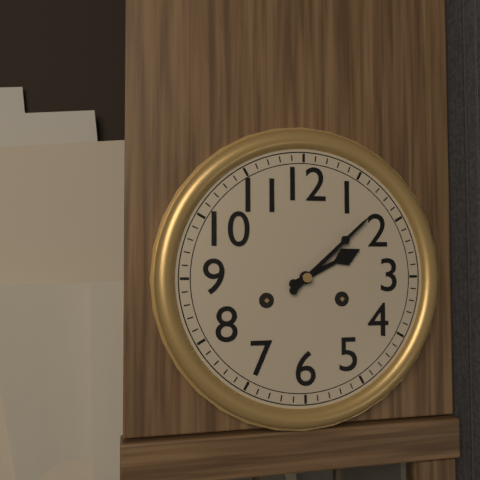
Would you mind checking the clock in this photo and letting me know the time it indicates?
2:08
